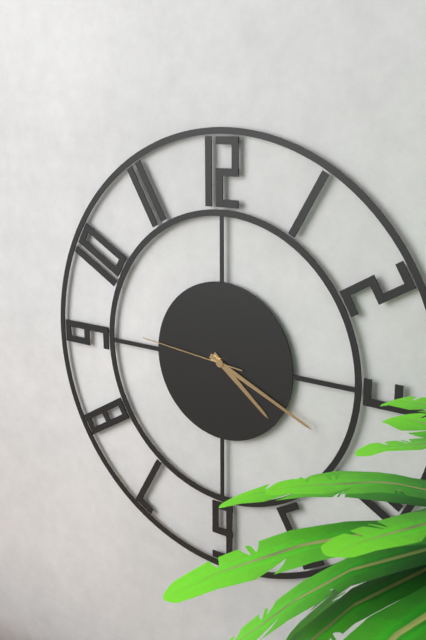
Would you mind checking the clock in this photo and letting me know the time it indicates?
4:19:46
